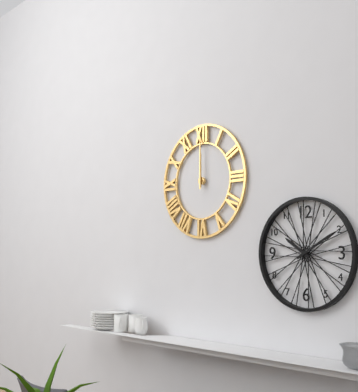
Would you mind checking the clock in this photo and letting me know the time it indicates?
12:00
